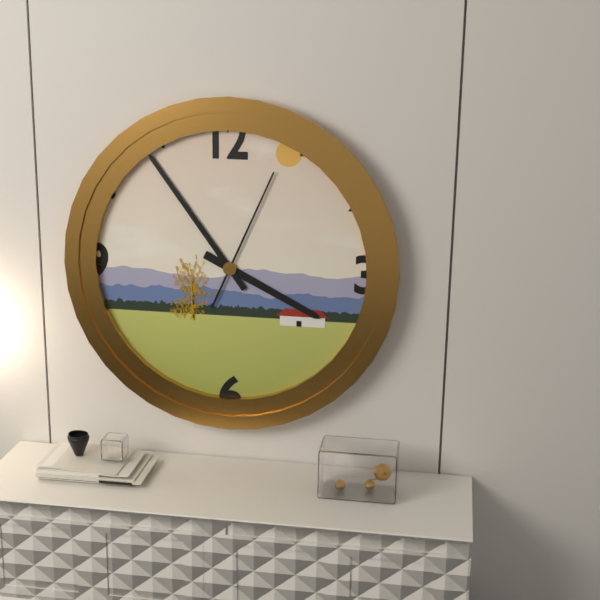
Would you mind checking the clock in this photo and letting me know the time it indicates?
3:54:04
